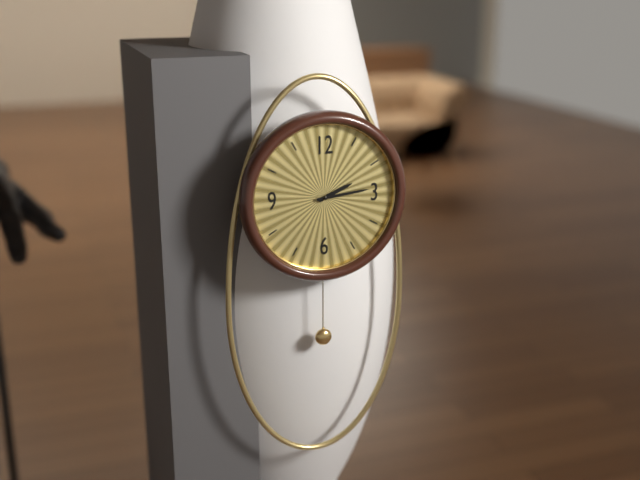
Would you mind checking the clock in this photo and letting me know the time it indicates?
2:14
